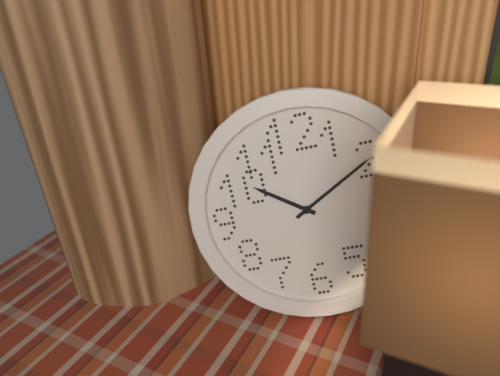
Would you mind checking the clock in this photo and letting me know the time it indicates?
10:10
